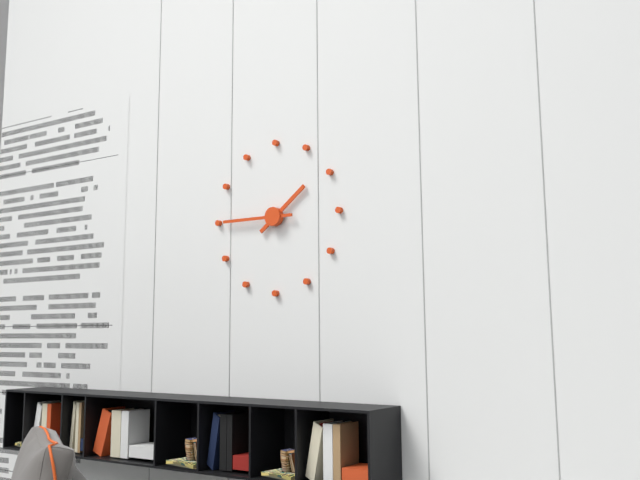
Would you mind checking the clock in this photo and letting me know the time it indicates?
1:45
